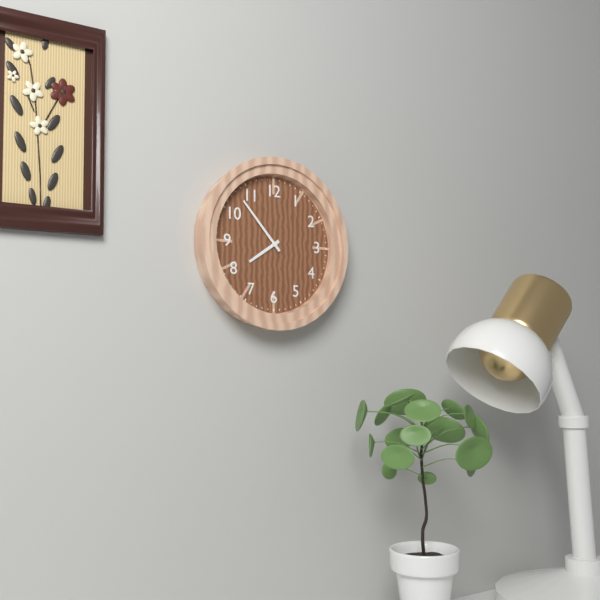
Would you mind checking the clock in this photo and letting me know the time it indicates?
7:53
